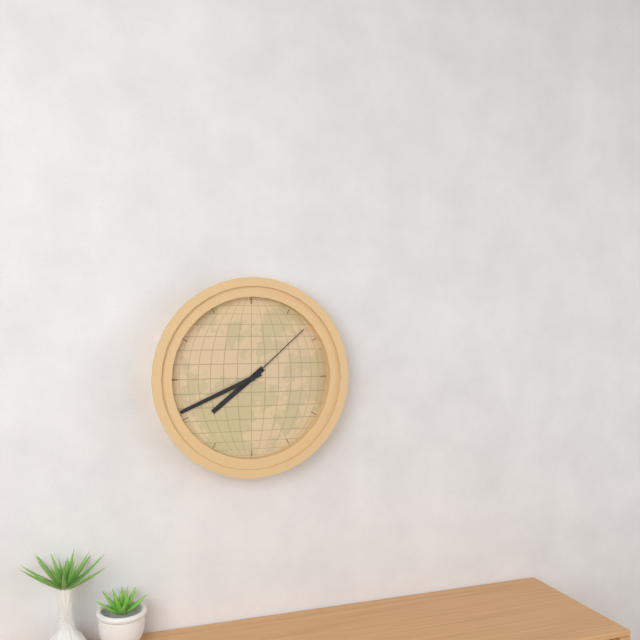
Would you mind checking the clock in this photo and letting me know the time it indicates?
7:41:08
